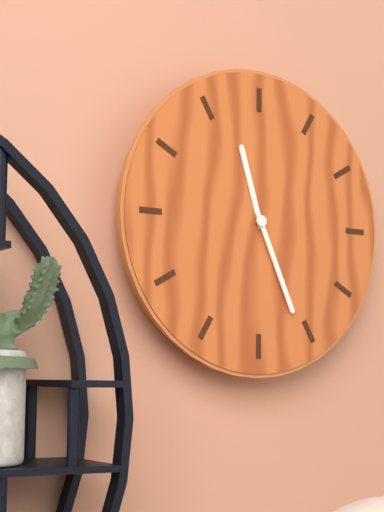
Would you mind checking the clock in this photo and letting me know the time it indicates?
11:26
